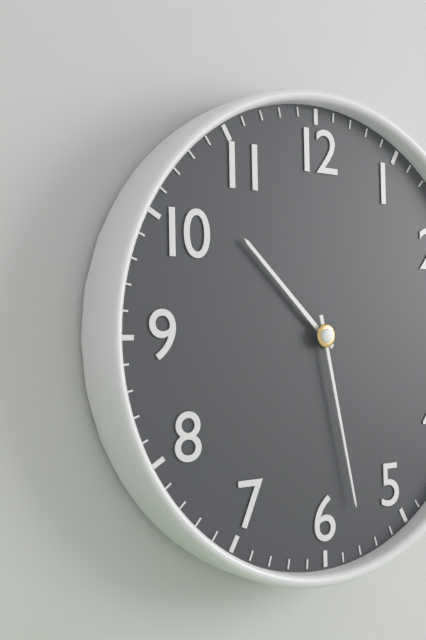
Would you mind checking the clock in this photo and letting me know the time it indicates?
10:28
